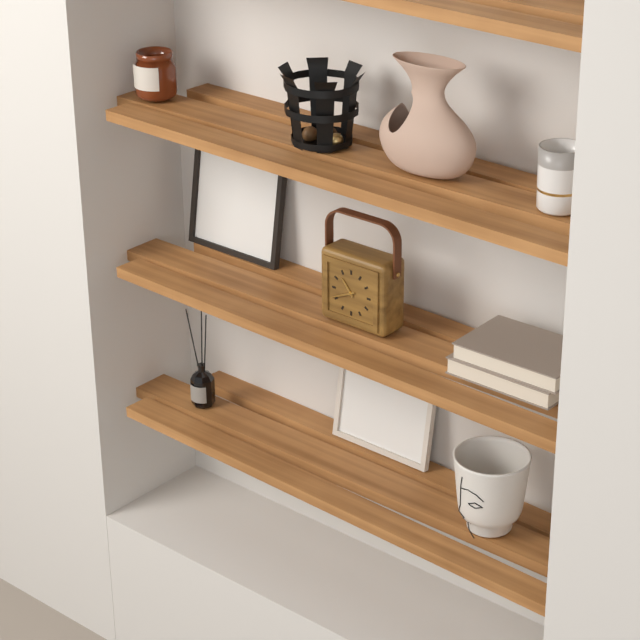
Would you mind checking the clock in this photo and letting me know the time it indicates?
10:41
